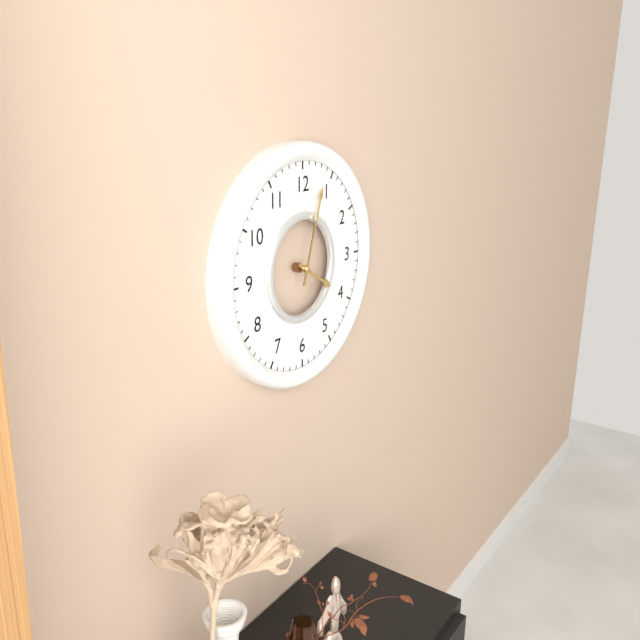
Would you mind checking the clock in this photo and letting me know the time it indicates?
4:03
